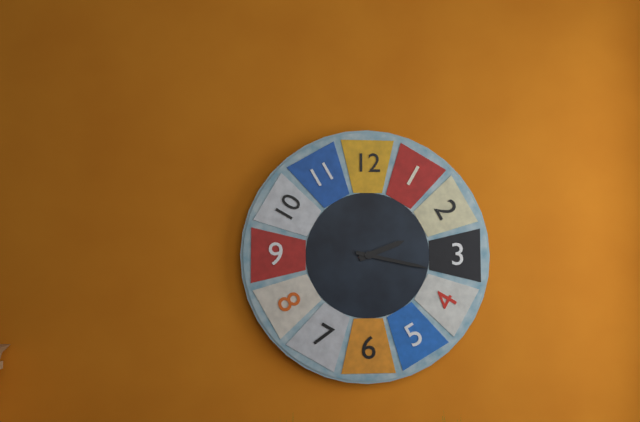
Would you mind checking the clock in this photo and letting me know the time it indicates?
2:17
